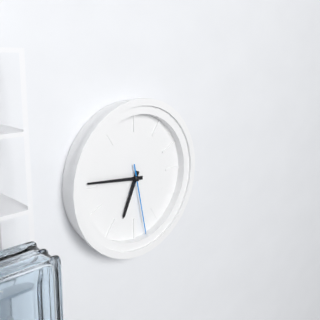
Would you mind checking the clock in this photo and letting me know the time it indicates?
6:46:28
